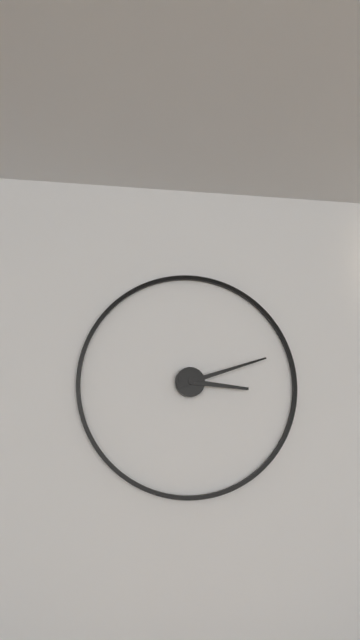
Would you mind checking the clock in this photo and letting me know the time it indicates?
3:12
